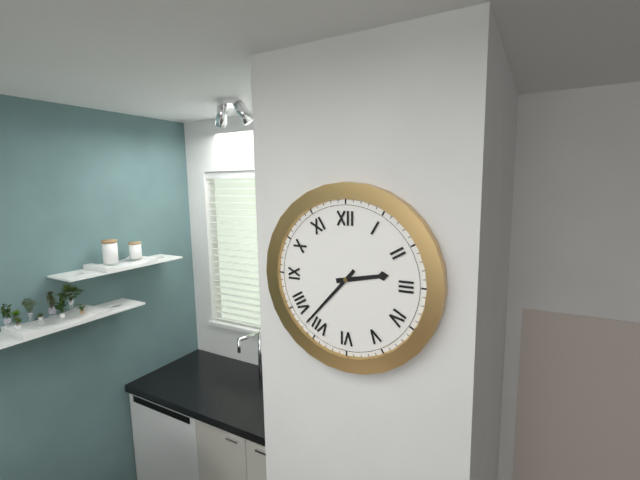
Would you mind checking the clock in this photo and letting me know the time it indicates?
2:37
